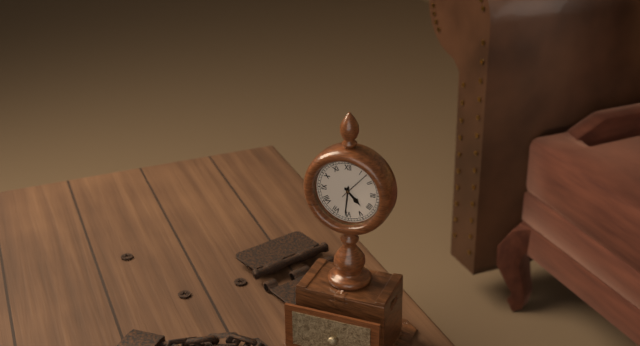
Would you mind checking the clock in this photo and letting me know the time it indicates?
4:31
